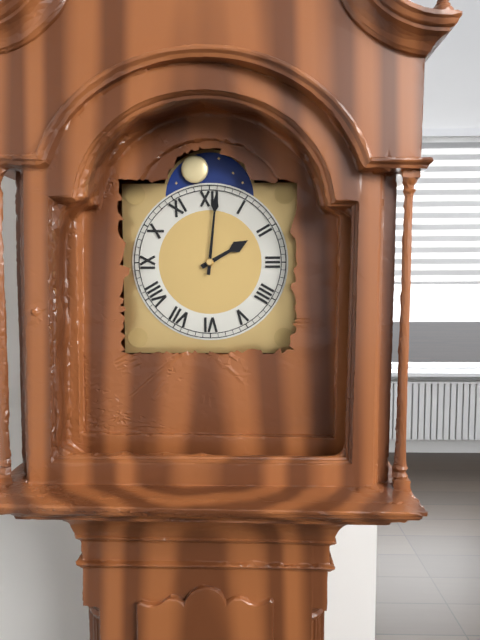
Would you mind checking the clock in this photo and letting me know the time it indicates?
2:01
